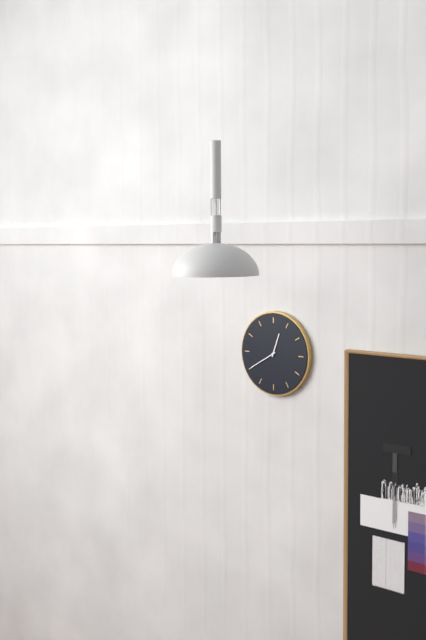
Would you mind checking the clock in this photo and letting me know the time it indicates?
12:40
